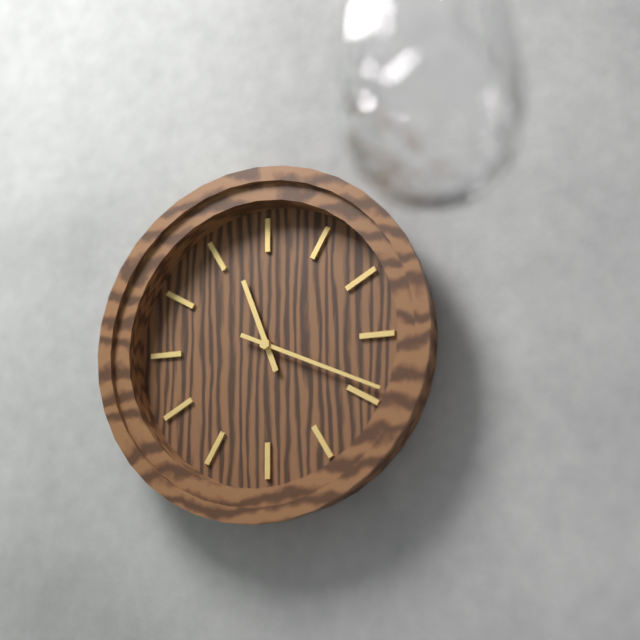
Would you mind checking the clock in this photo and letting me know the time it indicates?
11:19
